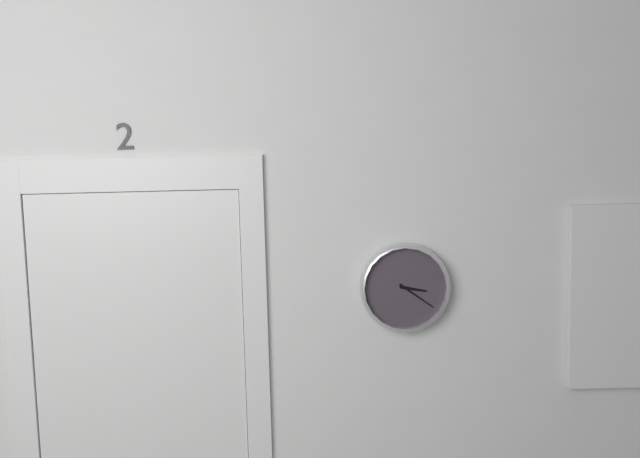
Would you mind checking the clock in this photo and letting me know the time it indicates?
3:21
